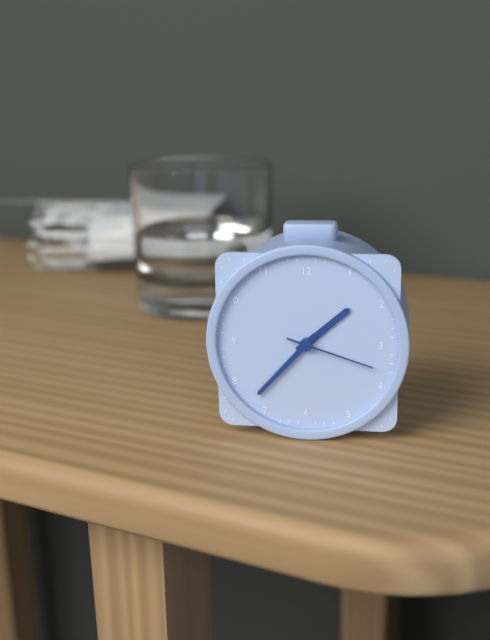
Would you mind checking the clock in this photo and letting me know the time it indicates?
1:37:18
